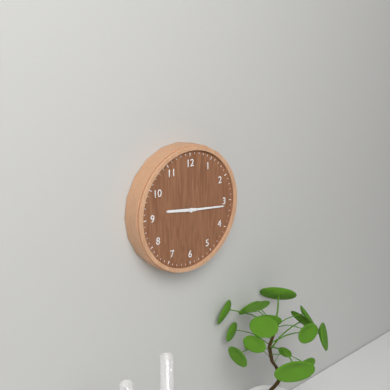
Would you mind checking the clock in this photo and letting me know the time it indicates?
9:16
